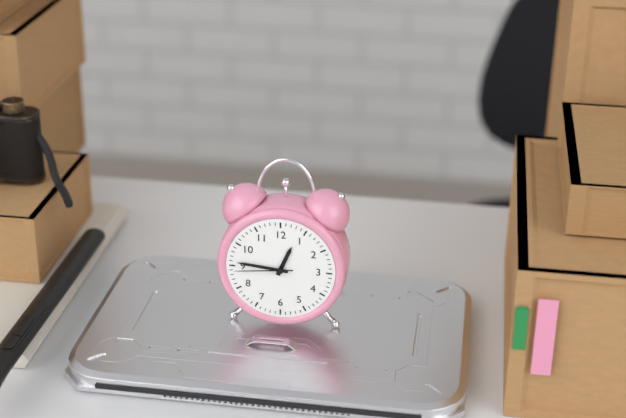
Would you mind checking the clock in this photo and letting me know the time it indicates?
12:46:44
